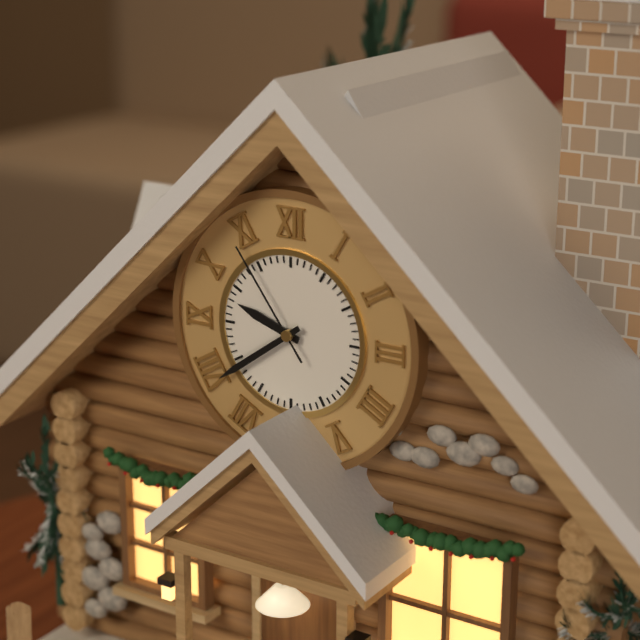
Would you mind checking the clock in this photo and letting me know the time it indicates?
9:39:54
